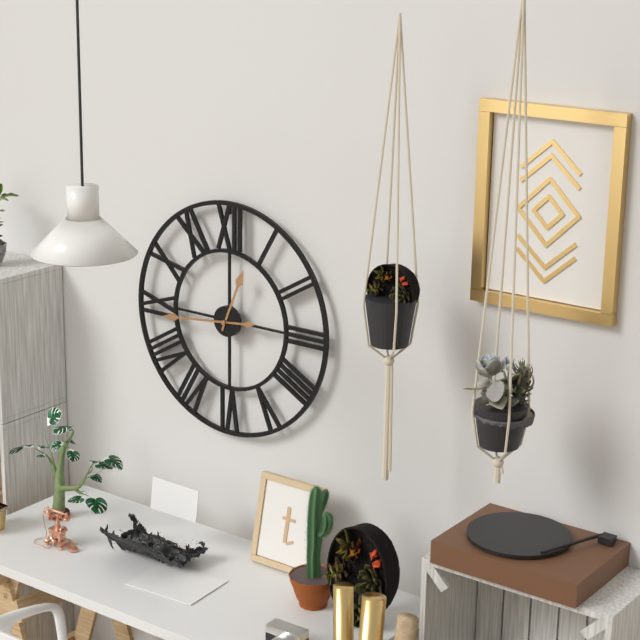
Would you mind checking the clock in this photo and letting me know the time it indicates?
12:44
